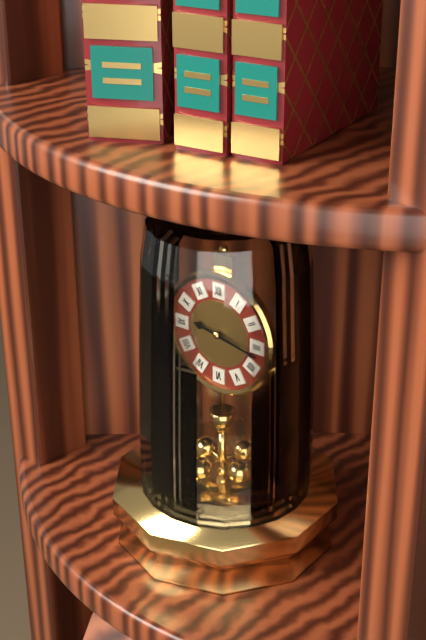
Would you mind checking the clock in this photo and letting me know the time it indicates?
9:17
